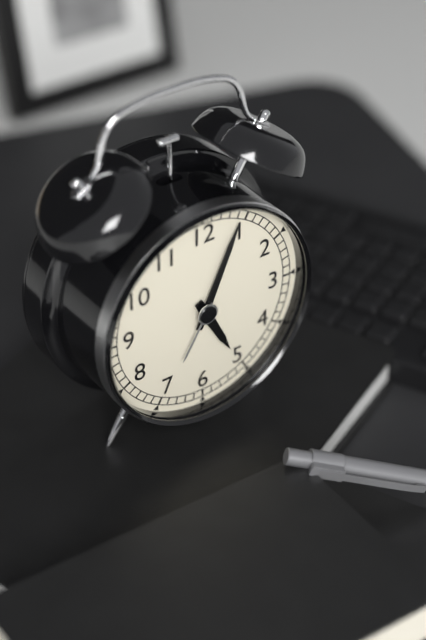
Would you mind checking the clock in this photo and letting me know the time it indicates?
5:04
